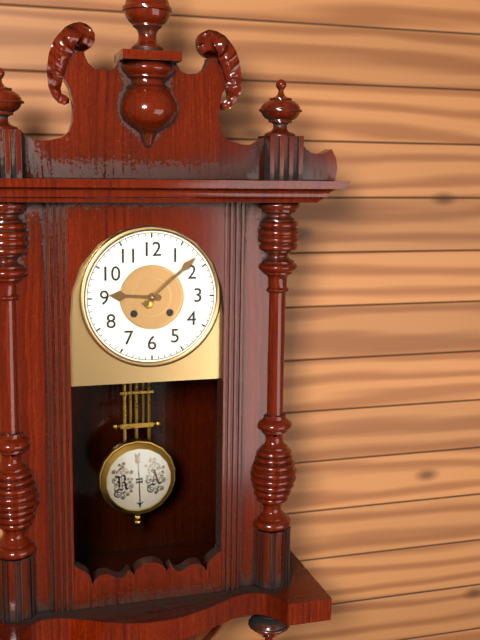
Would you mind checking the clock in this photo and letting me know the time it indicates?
9:08
